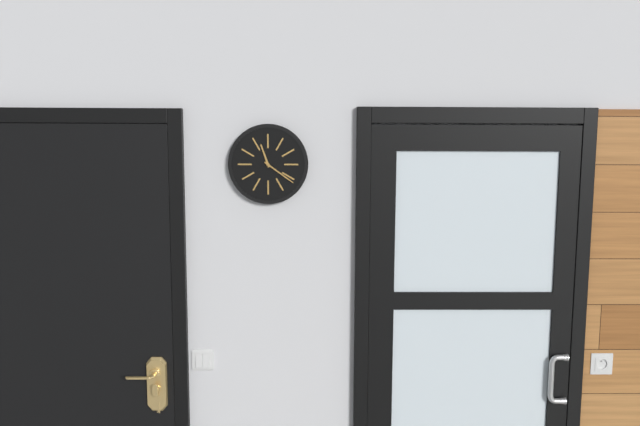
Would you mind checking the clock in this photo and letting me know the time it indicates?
11:21
